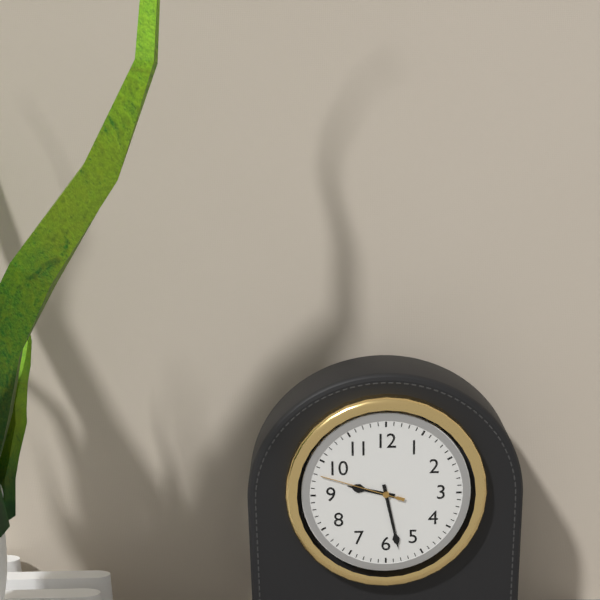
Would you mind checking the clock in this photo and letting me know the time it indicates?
9:28:48
